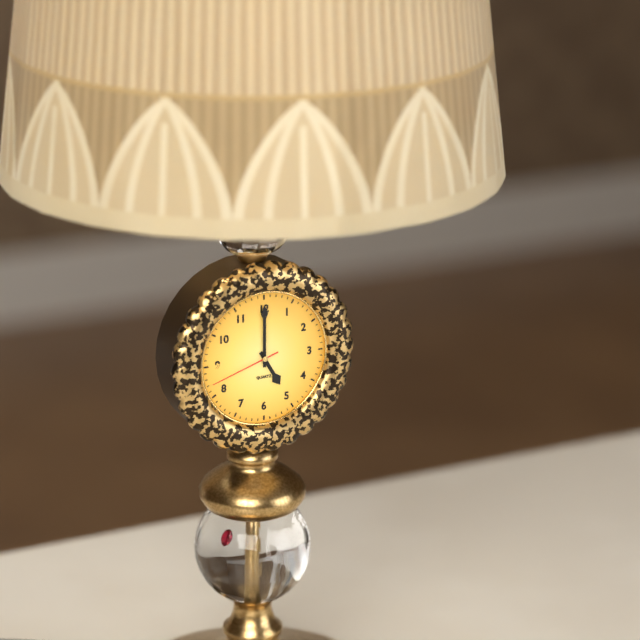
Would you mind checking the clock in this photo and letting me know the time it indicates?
5:00:42
